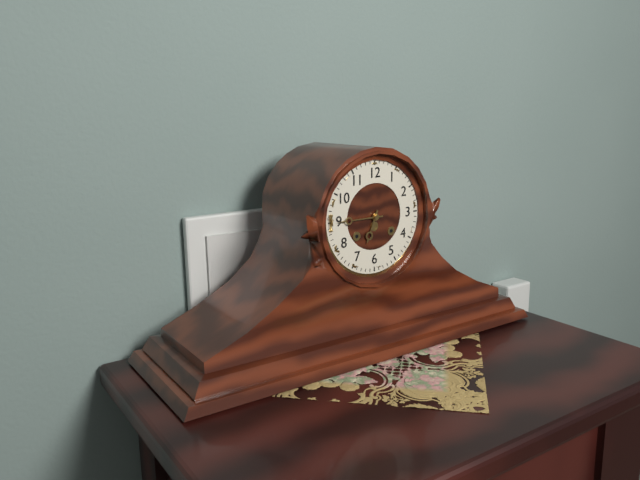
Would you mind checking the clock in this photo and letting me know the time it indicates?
6:45
